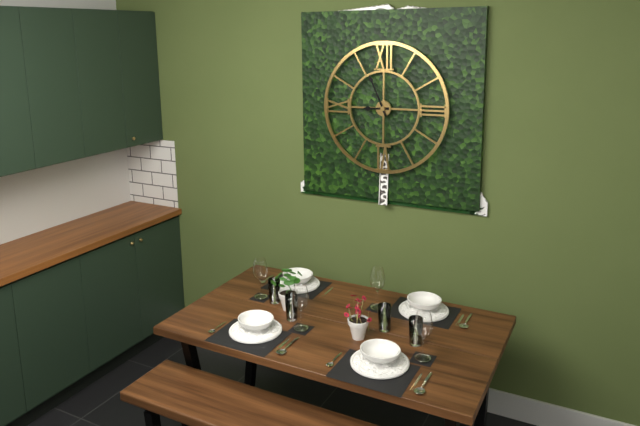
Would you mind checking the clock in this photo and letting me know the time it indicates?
8:56
